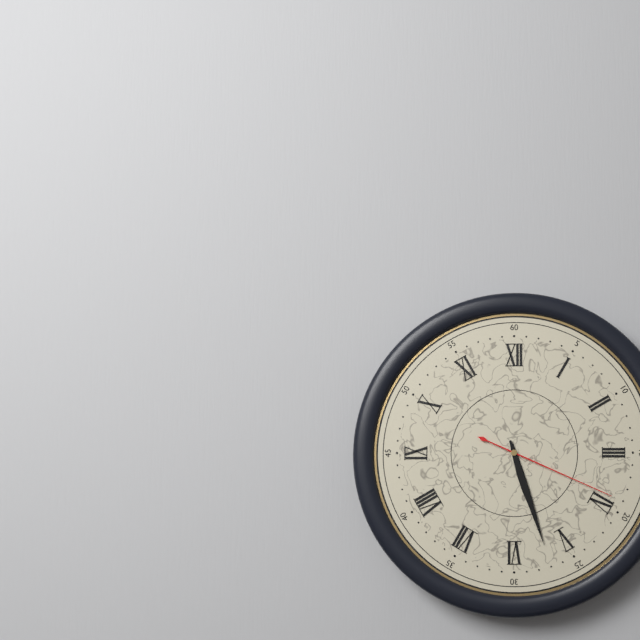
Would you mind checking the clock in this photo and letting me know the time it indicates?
5:27:19
